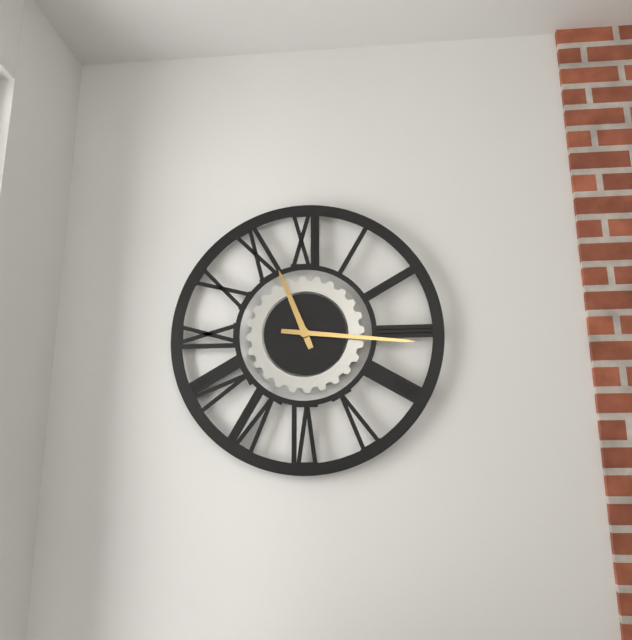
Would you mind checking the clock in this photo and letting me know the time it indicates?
11:16
